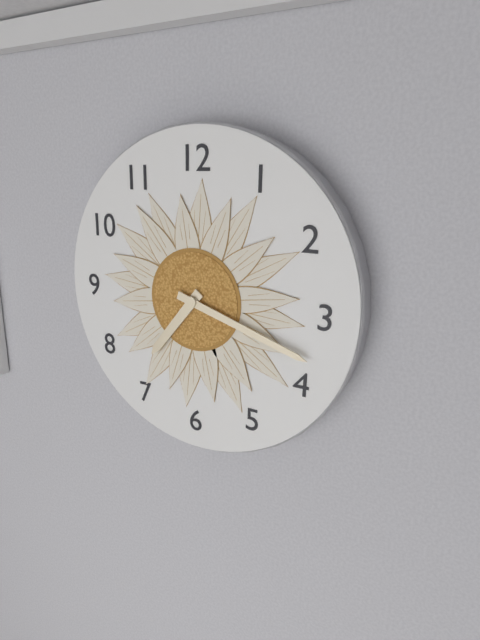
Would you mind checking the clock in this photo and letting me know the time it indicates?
7:18
